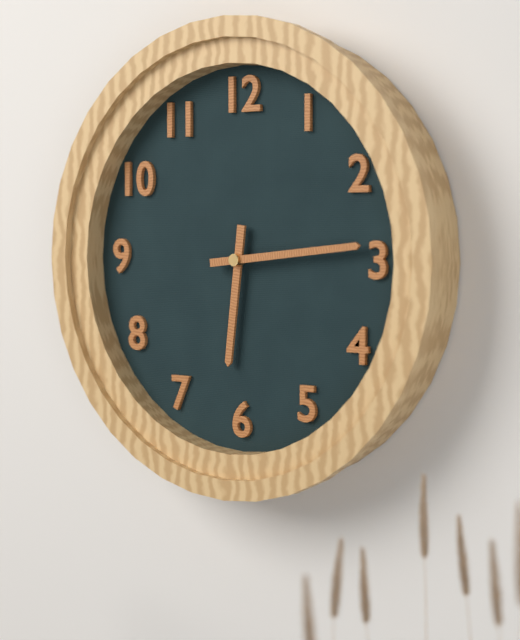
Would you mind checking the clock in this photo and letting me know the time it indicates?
6:14
